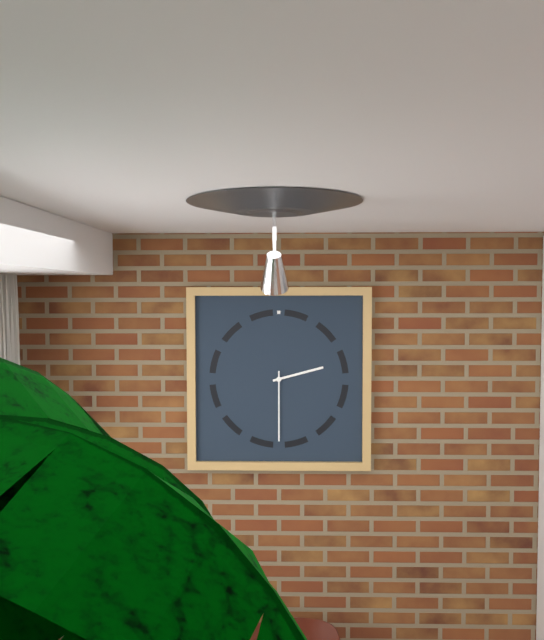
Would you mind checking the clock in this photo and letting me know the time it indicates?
2:30
